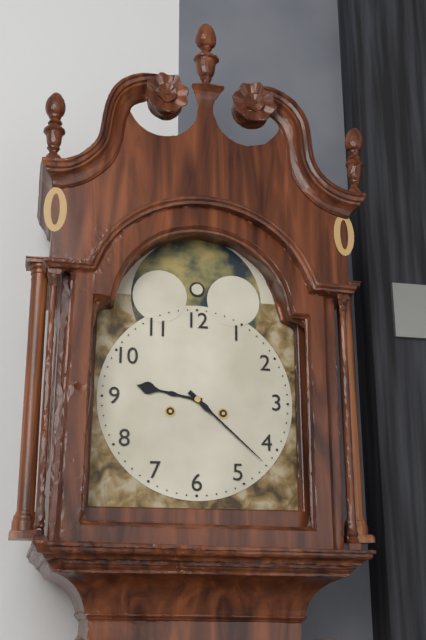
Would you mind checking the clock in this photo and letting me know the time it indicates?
9:22
